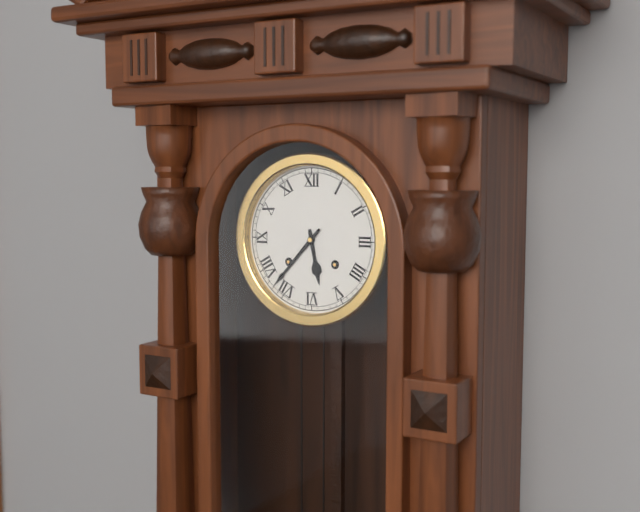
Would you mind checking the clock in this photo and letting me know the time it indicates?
5:37
